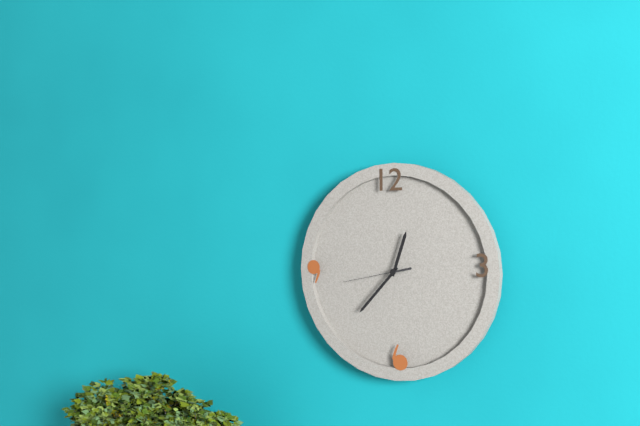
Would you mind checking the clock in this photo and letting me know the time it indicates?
12:37:43
